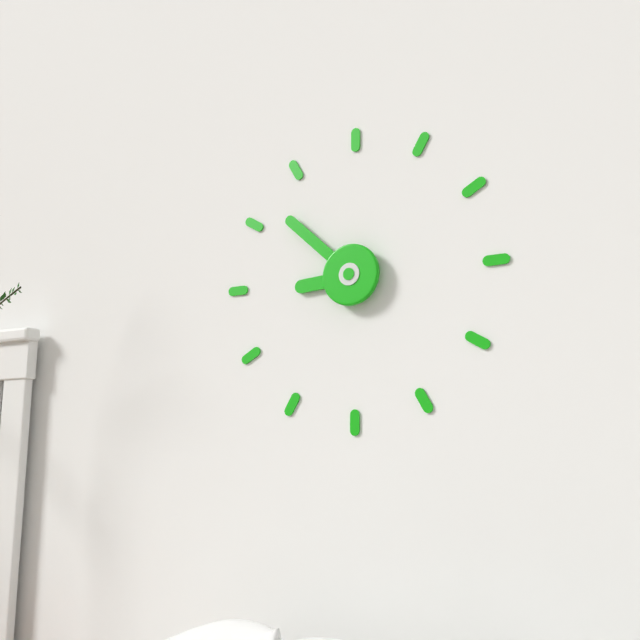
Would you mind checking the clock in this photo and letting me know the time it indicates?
8:52
